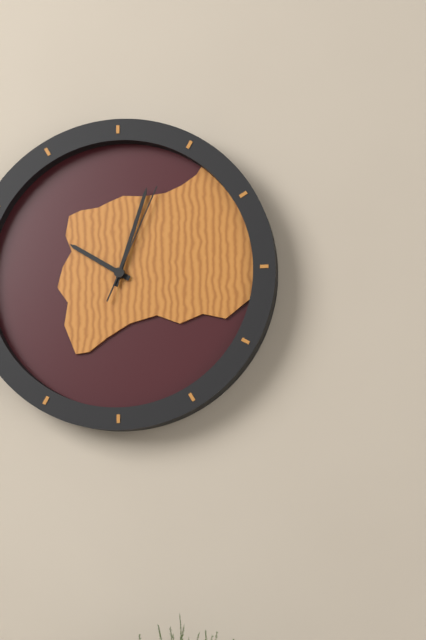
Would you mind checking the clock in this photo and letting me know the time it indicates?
10:03:04
